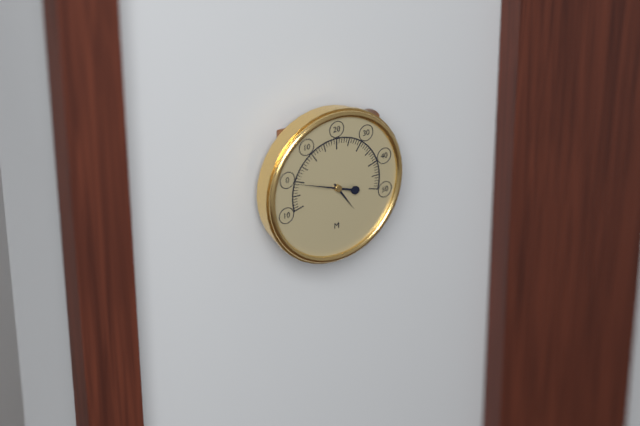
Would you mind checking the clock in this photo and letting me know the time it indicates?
4:48
